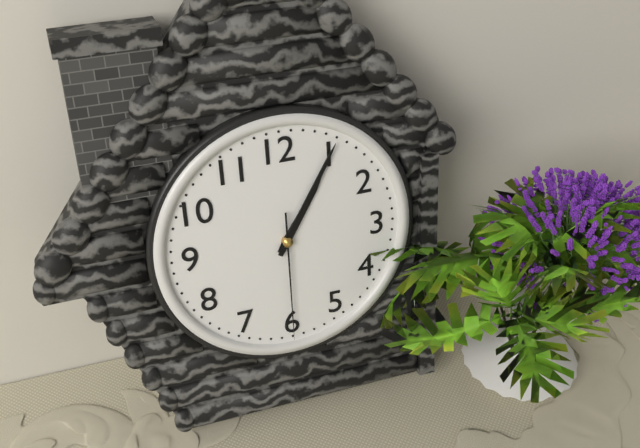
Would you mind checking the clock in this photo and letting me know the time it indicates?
1:05:30
